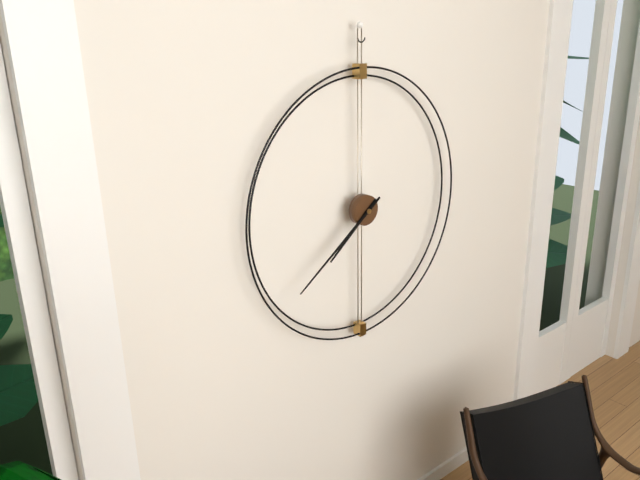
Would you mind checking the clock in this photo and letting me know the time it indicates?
7:39
